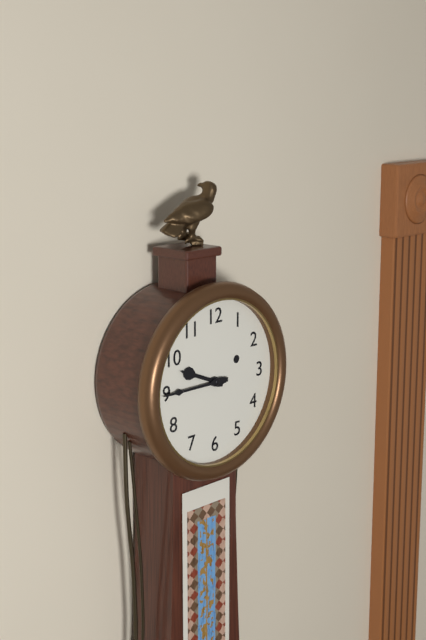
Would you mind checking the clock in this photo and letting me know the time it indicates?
9:45
